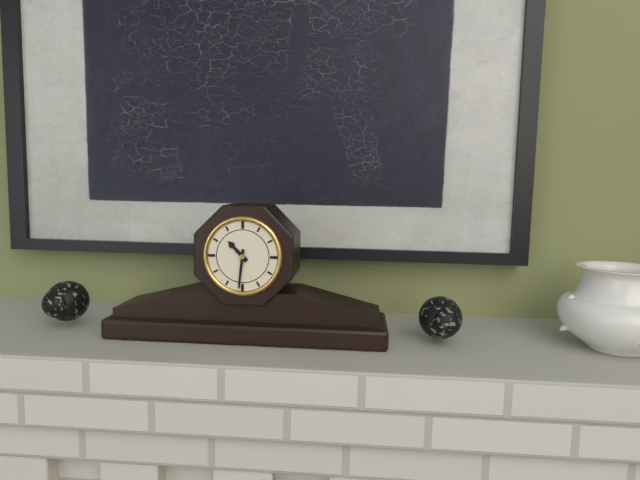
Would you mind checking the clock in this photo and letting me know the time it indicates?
10:31
